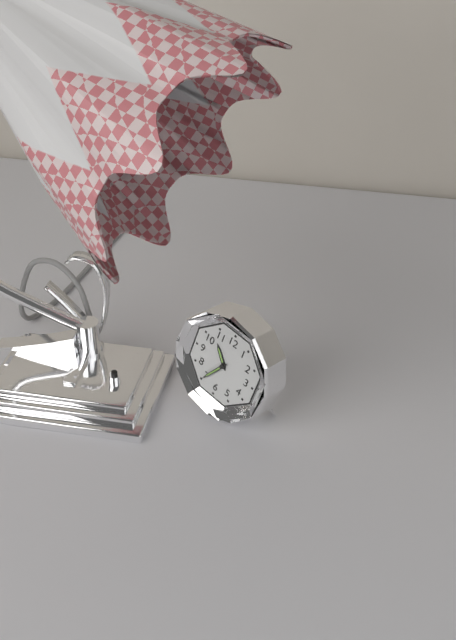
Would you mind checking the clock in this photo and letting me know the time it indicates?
10:35
